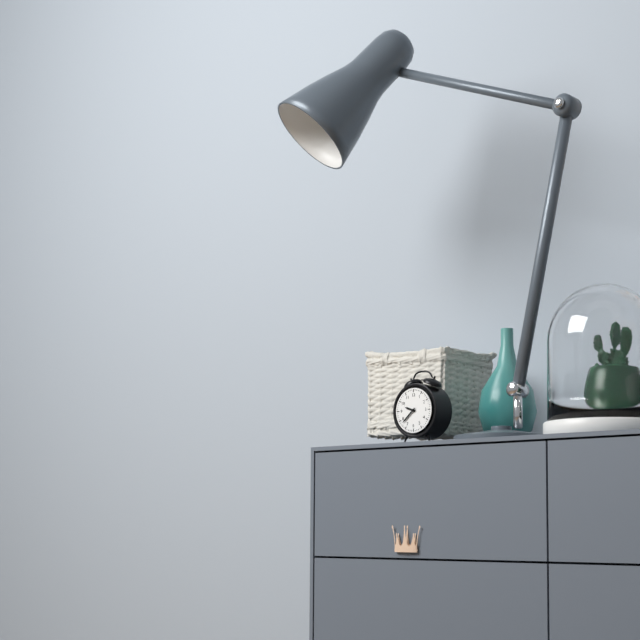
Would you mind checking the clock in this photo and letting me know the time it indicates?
9:38
